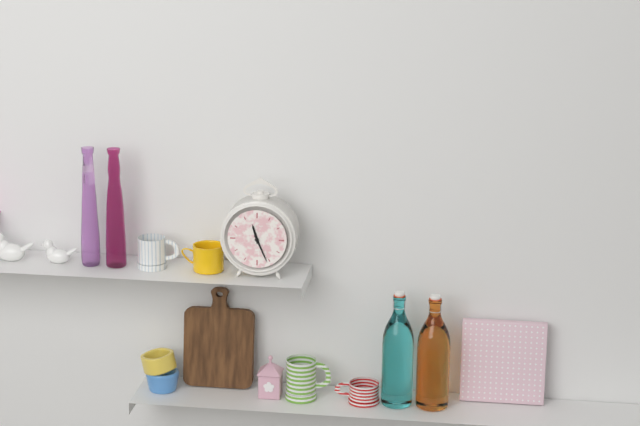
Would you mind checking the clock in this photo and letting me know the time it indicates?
11:26
